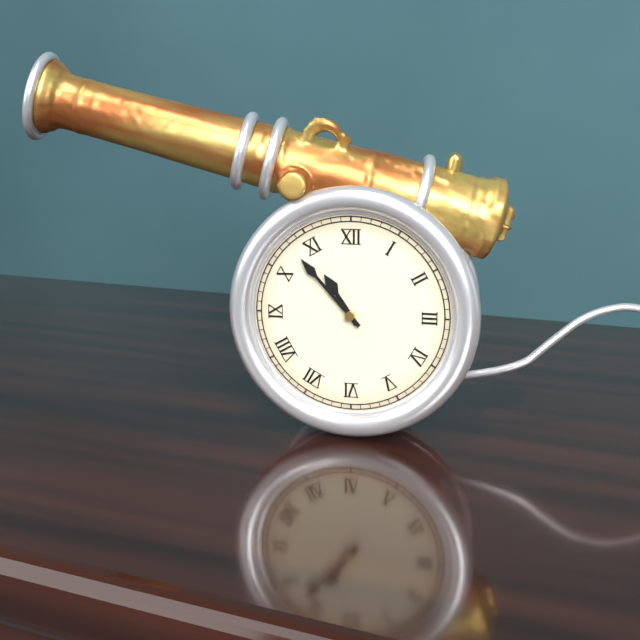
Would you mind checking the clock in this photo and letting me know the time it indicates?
10:53
